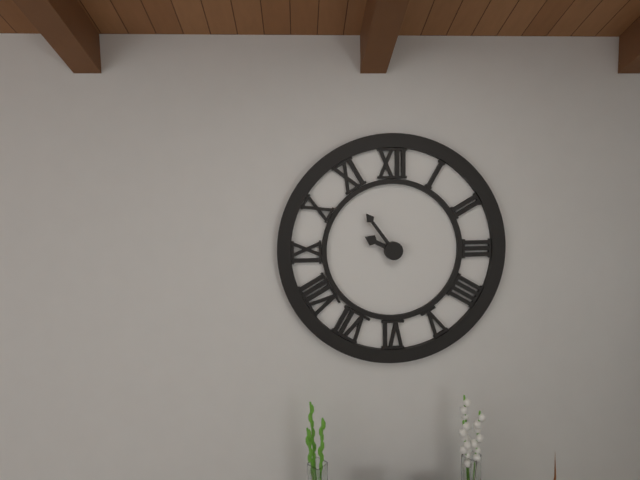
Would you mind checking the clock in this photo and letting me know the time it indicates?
9:54
